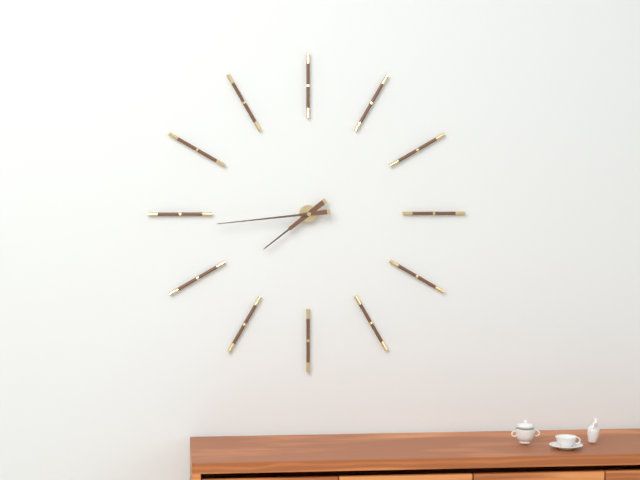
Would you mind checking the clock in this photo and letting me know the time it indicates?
7:44
